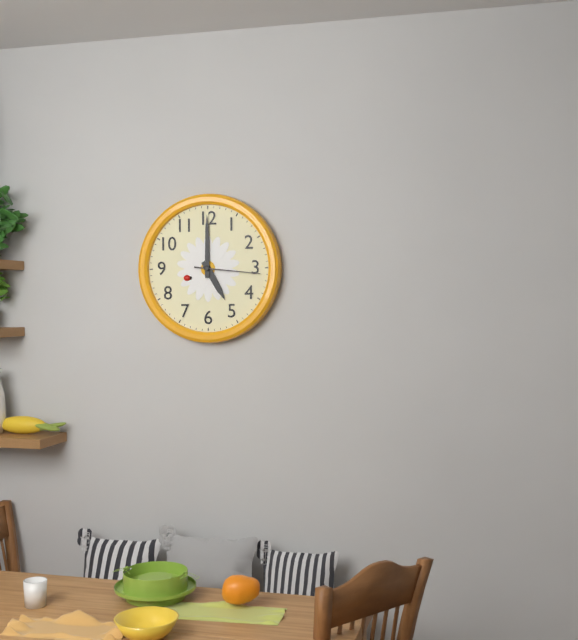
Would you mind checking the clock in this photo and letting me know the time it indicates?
5:00:16
